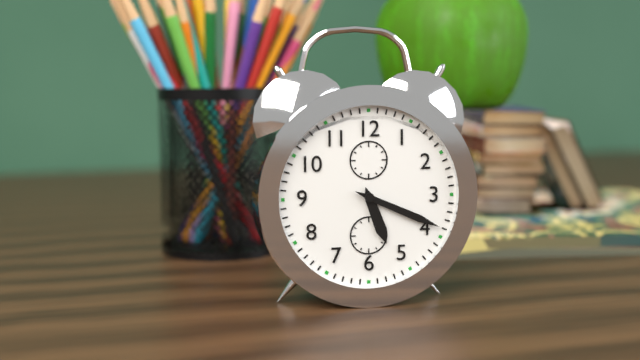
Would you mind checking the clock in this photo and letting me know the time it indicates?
5:19
